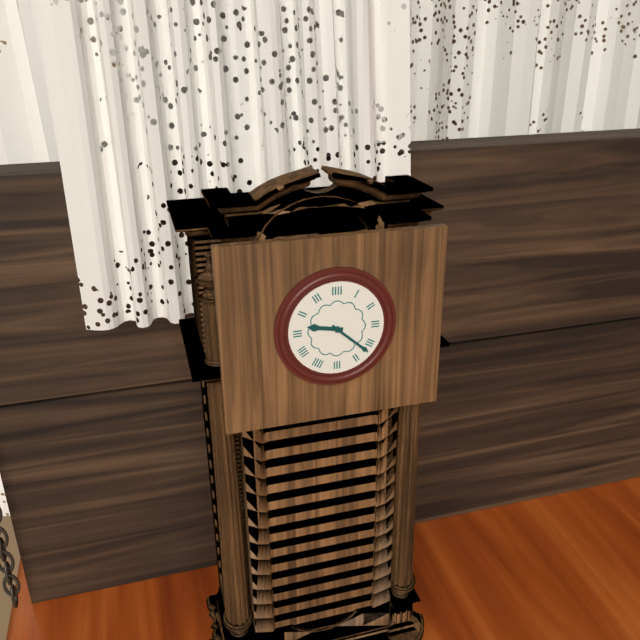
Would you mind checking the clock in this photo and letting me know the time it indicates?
9:22
